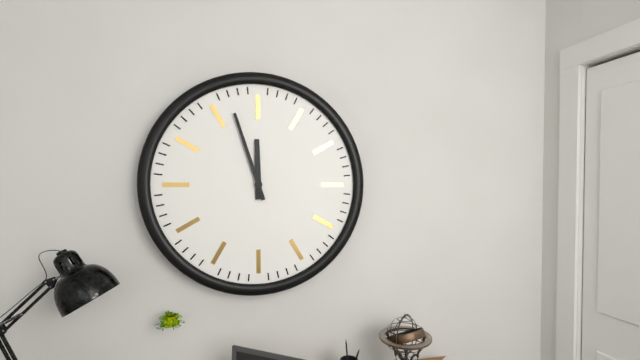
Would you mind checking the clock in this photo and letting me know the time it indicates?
11:57
